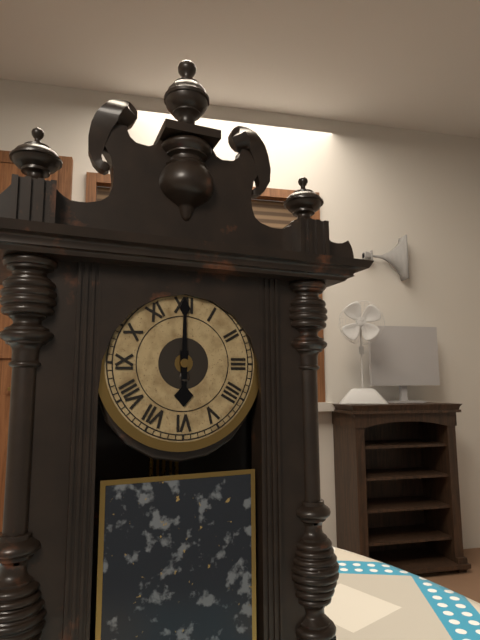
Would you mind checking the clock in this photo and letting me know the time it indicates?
6:00
